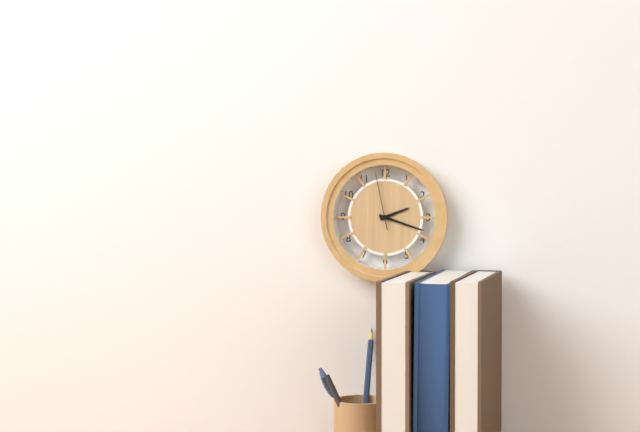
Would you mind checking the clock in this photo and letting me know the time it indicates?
2:18:58
